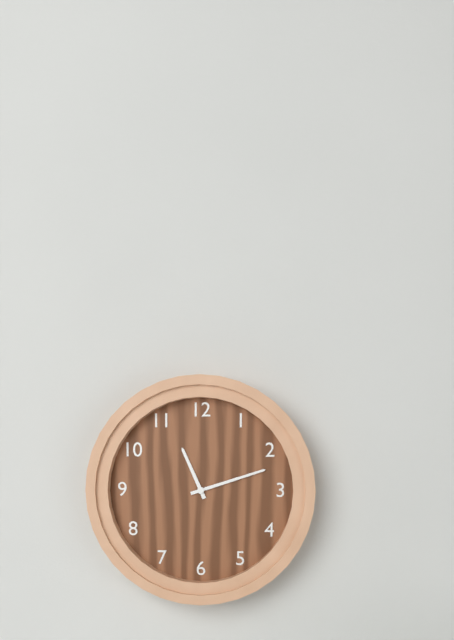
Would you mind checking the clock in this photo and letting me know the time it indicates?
11:12
